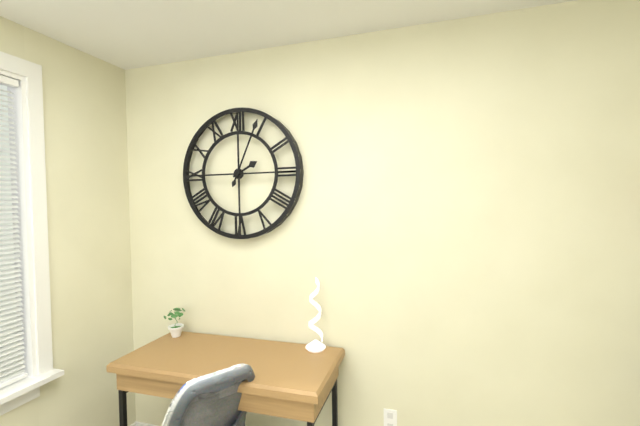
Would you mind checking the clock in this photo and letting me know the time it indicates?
2:04
